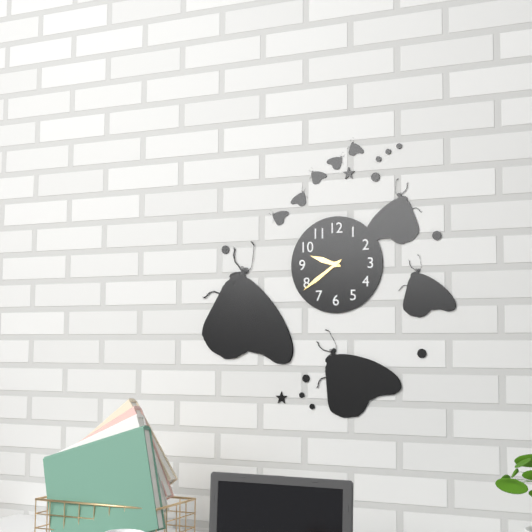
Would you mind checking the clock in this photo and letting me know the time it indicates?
9:39
